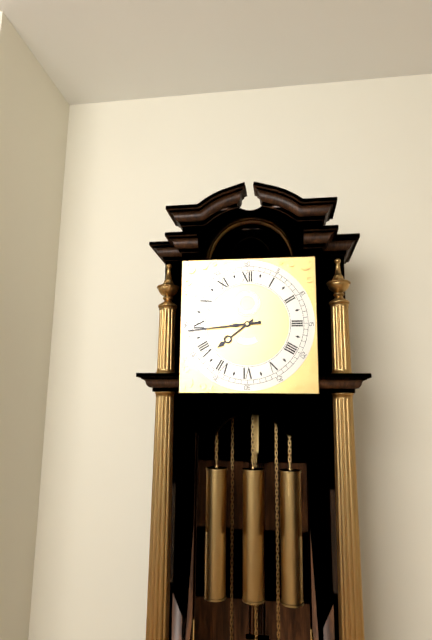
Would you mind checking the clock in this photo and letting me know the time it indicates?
7:44
